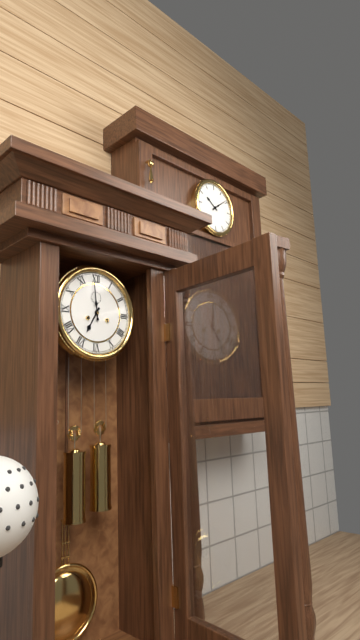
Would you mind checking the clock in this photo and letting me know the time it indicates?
6:59
